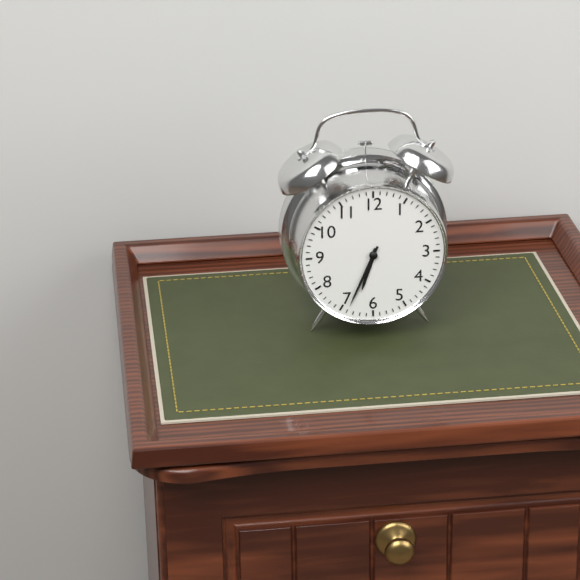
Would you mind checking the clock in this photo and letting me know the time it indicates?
6:34
